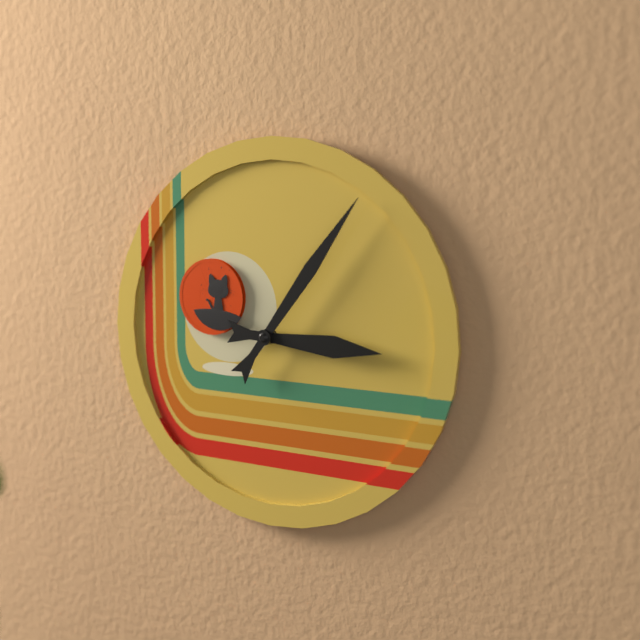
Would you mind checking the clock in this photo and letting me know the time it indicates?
3:06
